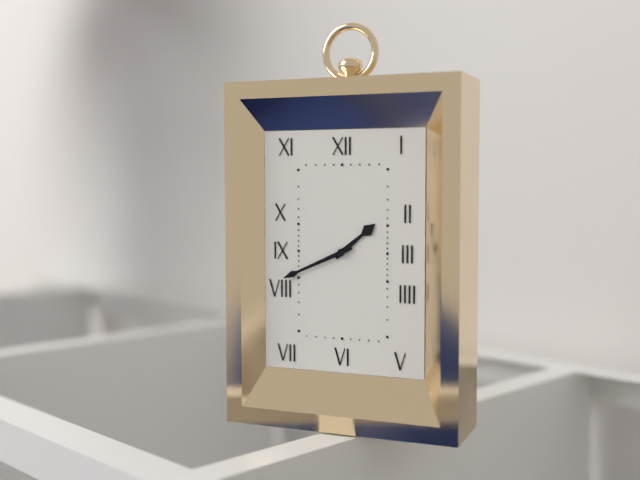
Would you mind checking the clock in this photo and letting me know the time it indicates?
1:41
